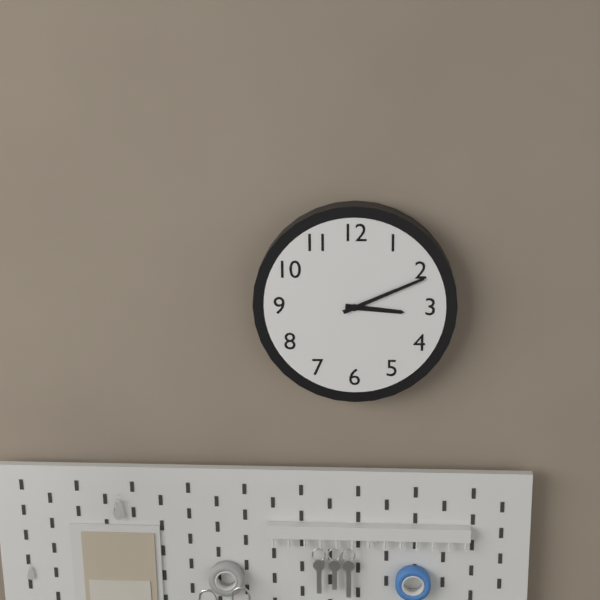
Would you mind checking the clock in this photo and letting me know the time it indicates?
3:11
